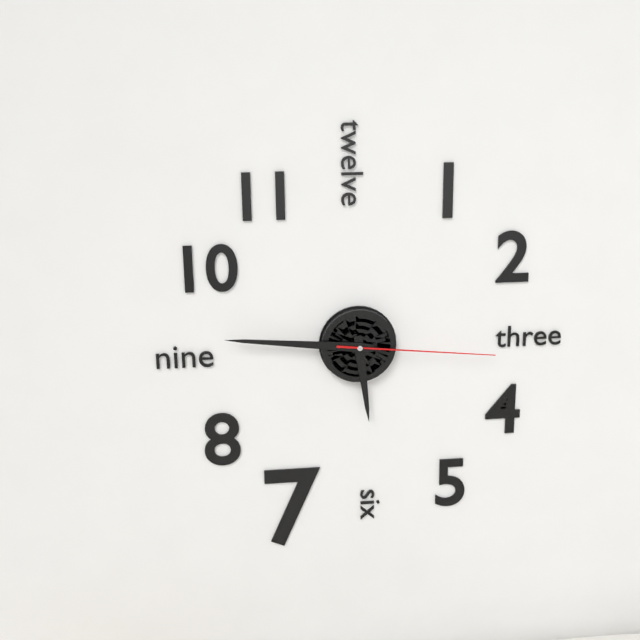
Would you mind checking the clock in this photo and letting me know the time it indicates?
5:46:16
